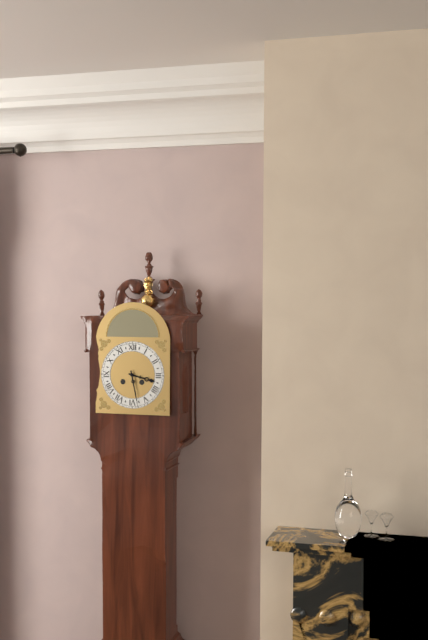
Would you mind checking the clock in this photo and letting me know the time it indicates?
3:28
